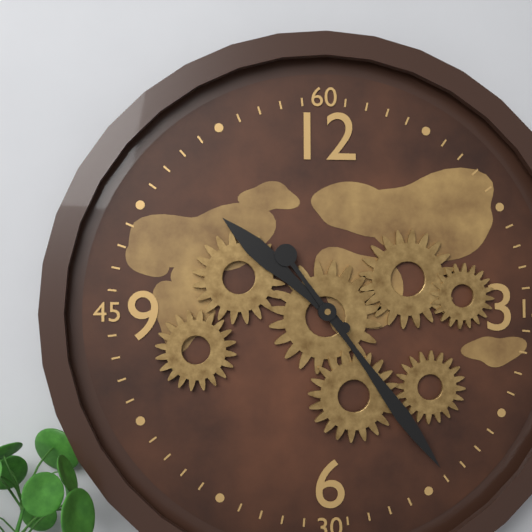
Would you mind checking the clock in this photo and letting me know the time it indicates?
10:24
